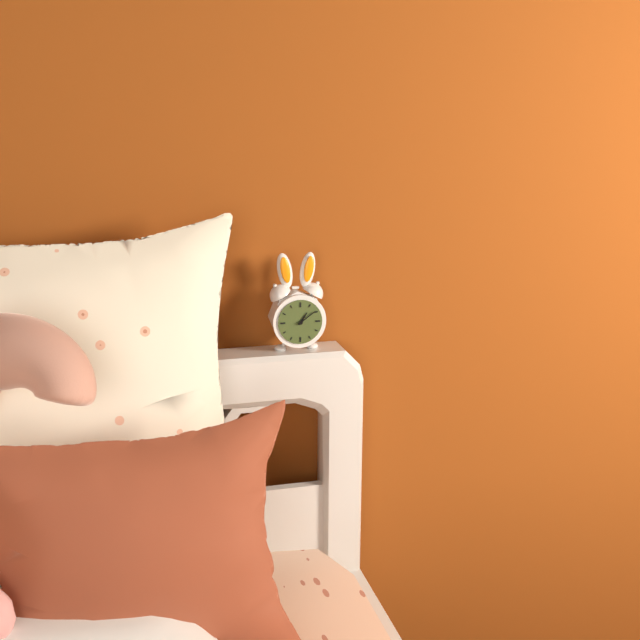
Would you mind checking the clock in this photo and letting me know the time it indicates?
1:09
